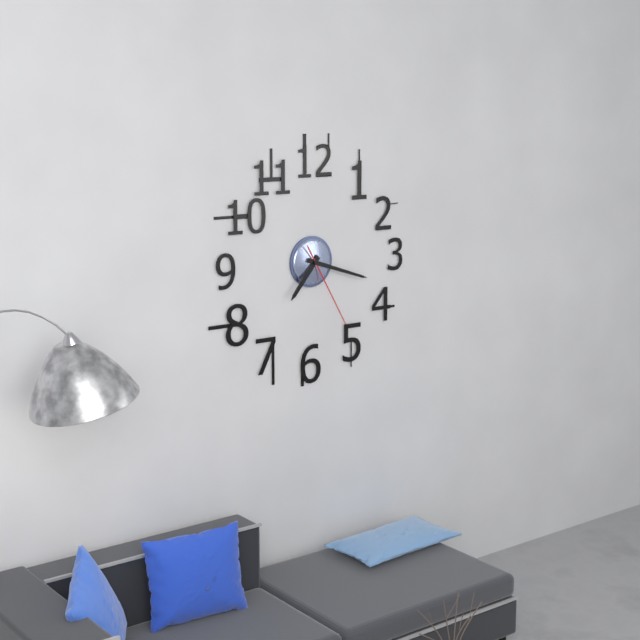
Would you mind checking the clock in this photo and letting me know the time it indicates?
7:18:25
